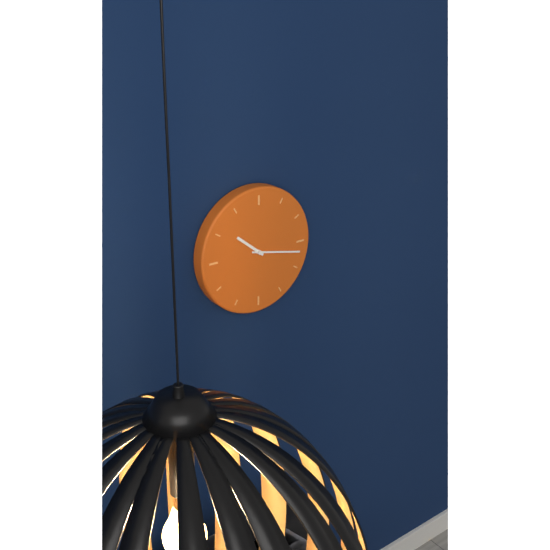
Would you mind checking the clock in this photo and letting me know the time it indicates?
10:17
